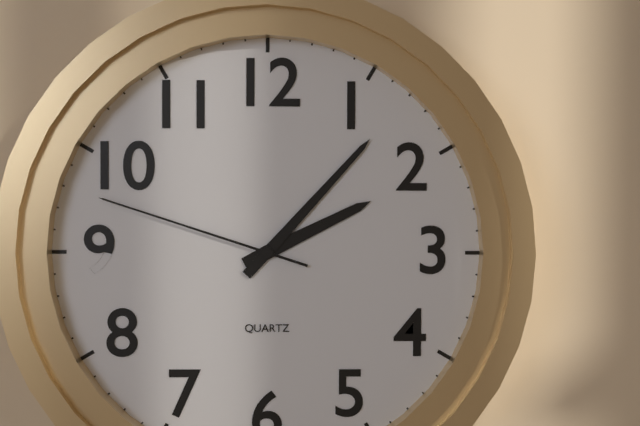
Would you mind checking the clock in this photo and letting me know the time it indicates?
2:07:48
